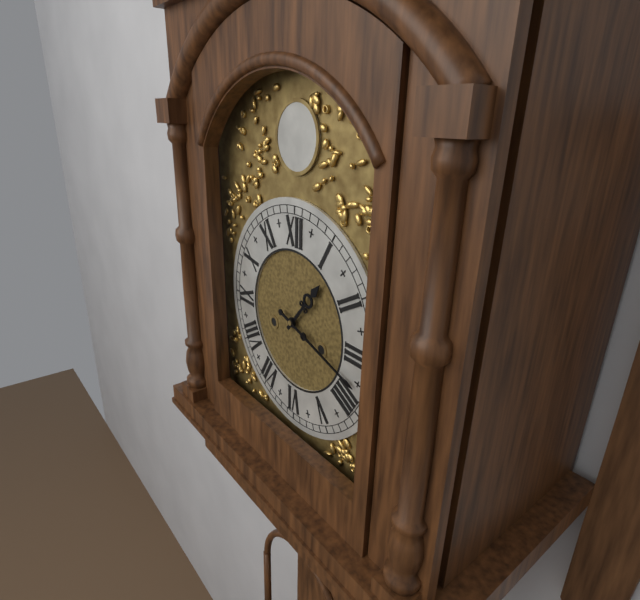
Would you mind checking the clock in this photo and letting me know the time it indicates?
1:18
